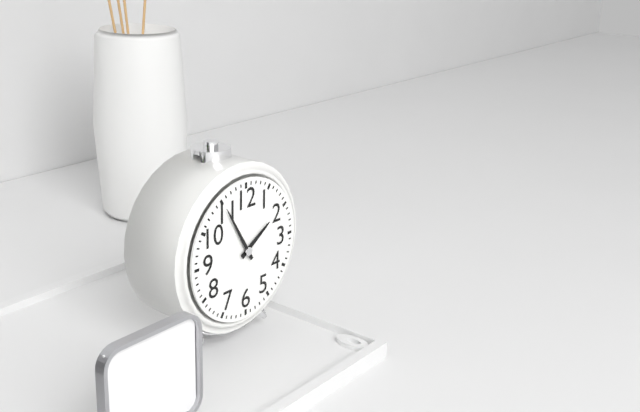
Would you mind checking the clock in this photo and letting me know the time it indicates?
1:55
